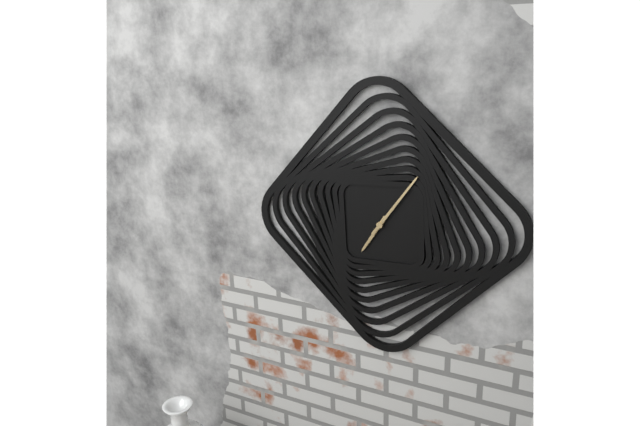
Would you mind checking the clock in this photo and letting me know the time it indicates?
7:06
